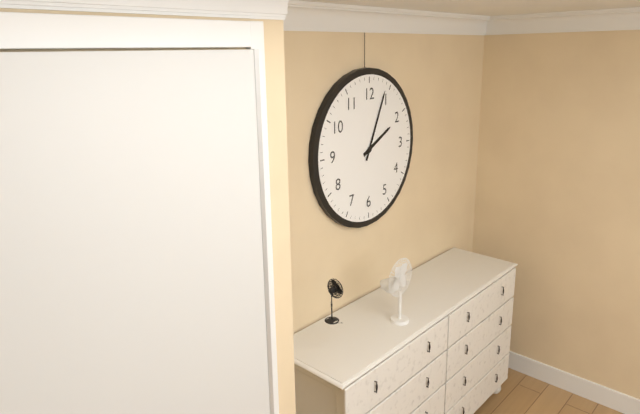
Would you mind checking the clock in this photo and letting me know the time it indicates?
2:04
